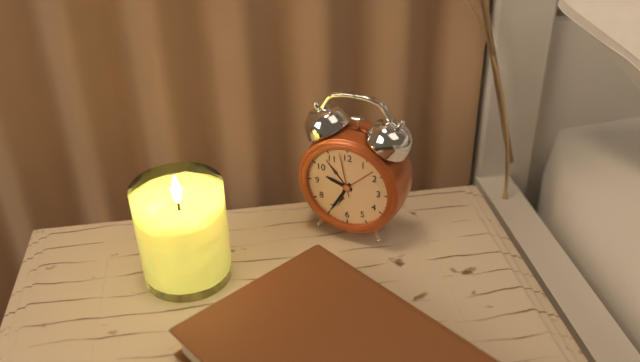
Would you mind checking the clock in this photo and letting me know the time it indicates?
9:35
